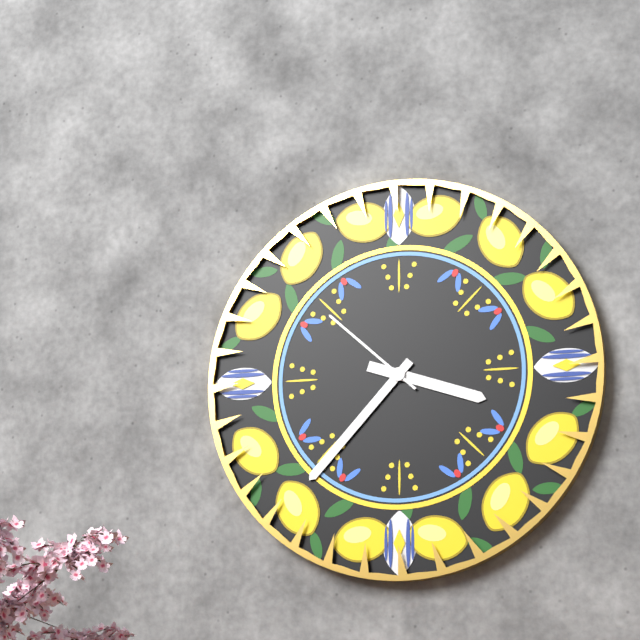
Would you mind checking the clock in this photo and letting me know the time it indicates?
3:37:52
